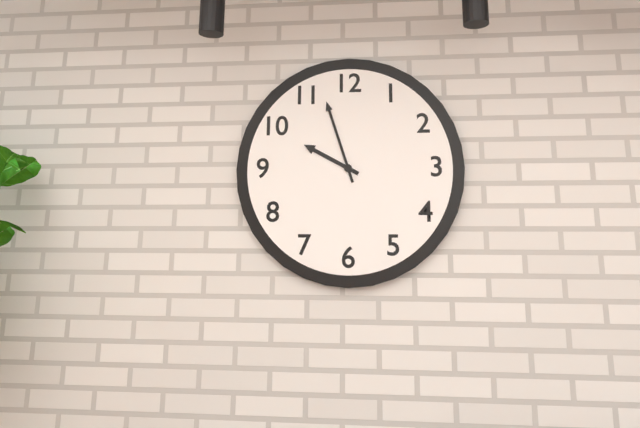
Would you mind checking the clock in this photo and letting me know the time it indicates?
9:57
